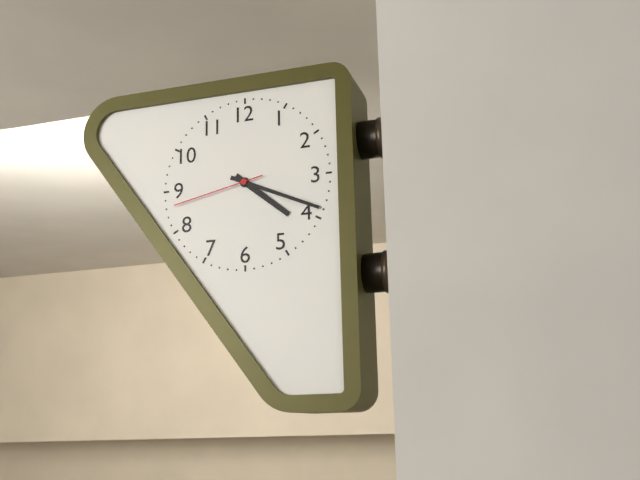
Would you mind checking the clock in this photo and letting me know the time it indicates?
4:19:43
